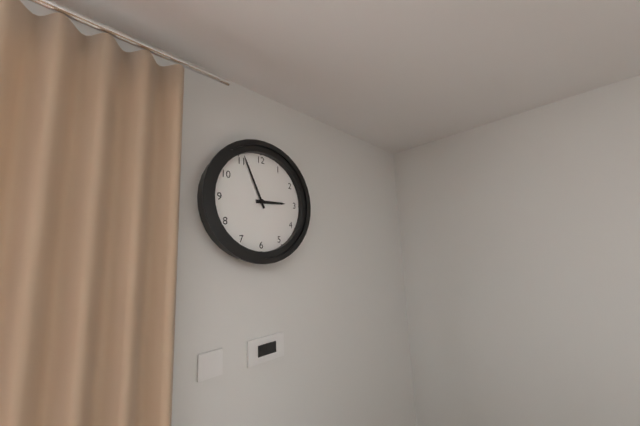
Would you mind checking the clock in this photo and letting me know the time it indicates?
2:56
